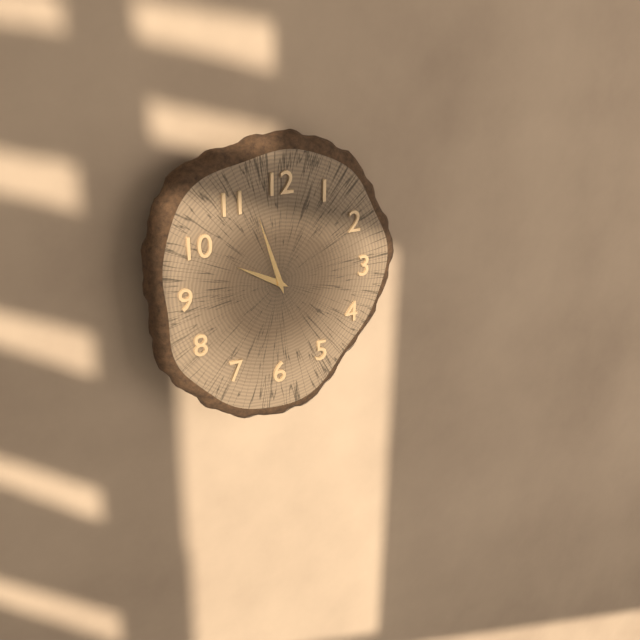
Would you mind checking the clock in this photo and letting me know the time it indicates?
9:57
